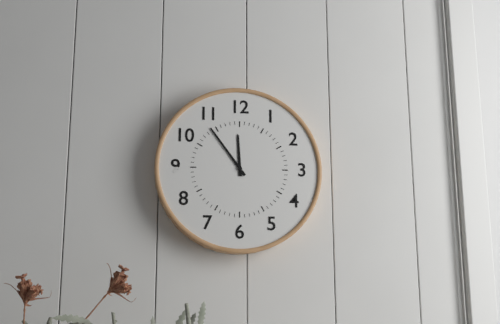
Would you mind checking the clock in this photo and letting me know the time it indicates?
11:54
